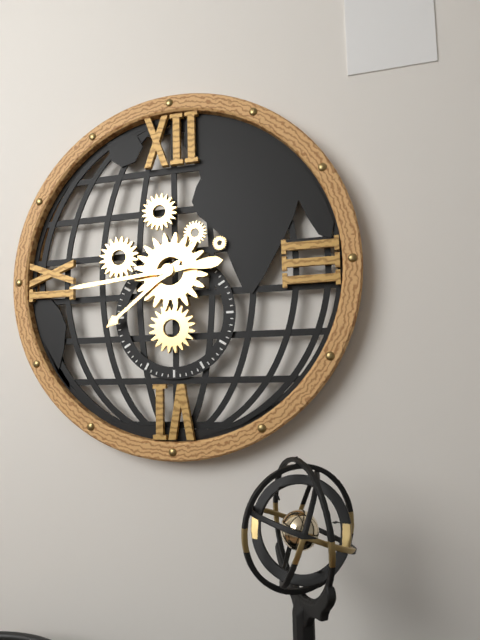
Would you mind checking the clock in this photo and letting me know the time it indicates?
7:44
